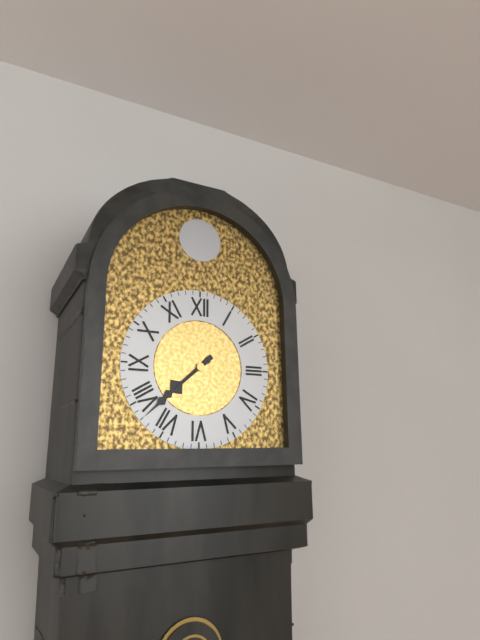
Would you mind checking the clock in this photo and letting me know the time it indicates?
7:38
